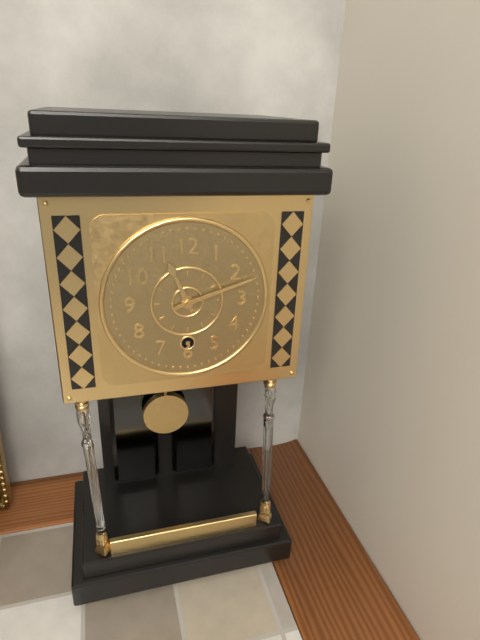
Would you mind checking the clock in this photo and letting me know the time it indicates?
11:12
